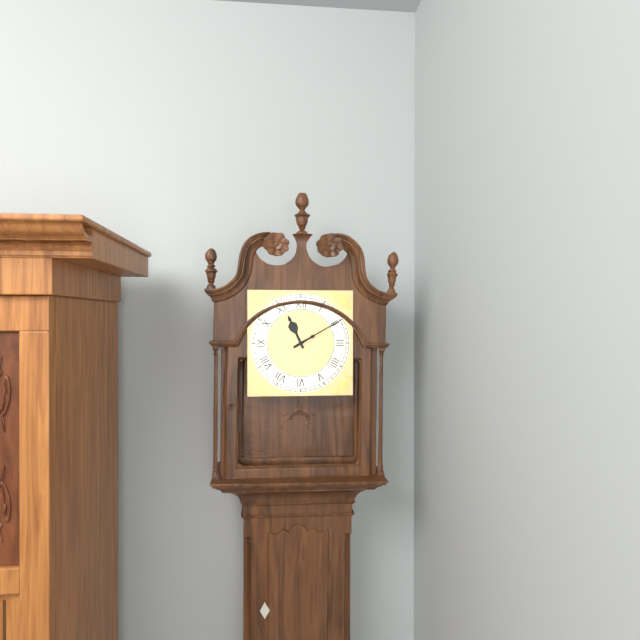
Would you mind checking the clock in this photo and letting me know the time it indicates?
11:10
